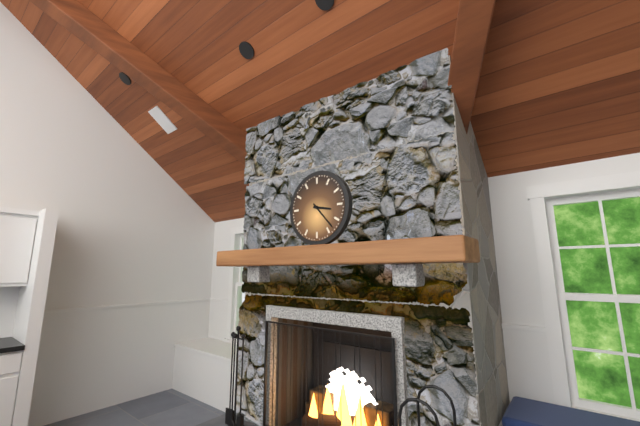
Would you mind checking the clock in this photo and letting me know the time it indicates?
3:23
